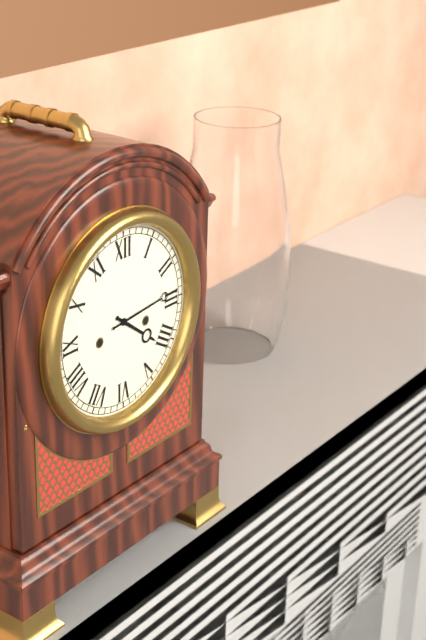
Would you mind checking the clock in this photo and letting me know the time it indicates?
4:14
